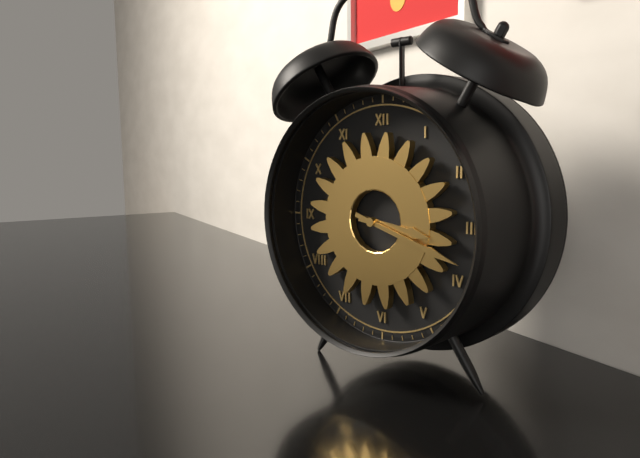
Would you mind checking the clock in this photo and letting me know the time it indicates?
3:18
